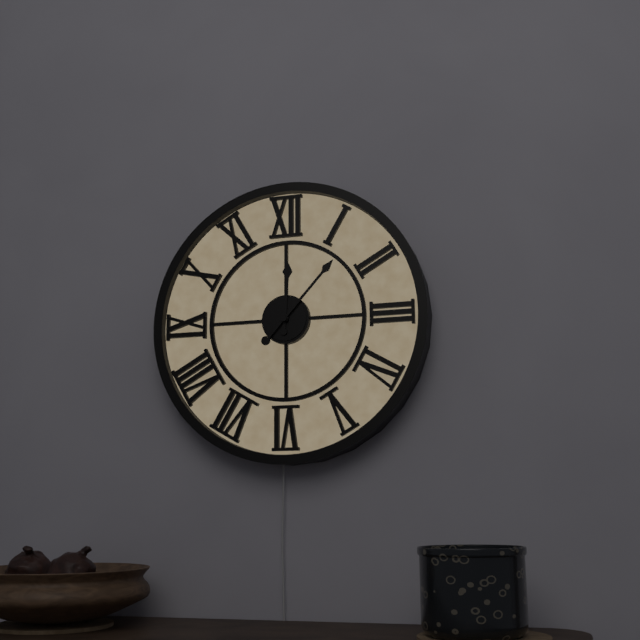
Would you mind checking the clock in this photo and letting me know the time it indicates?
12:07
